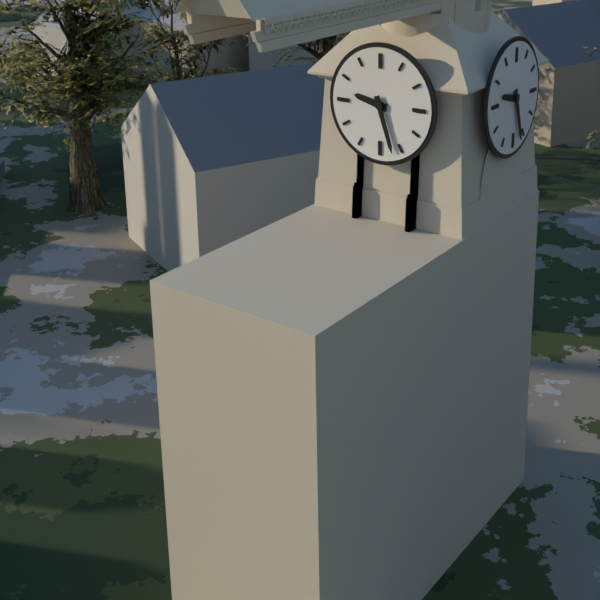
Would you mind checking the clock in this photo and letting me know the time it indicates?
9:27
